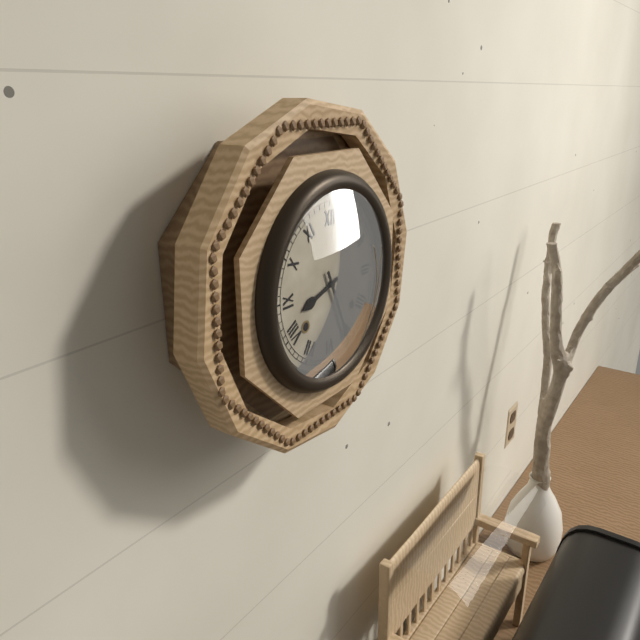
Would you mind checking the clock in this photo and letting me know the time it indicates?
8:26
